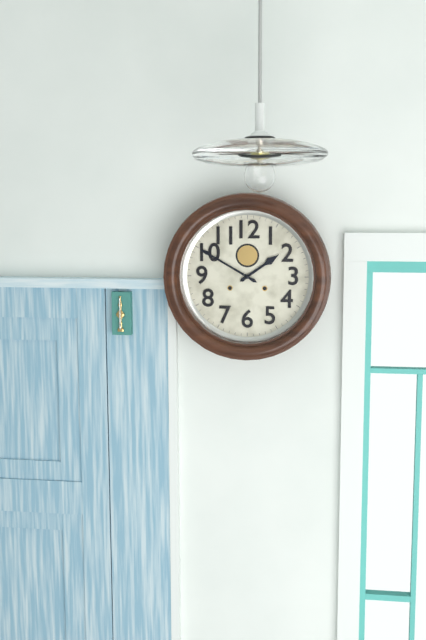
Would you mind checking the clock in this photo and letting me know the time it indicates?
1:50
